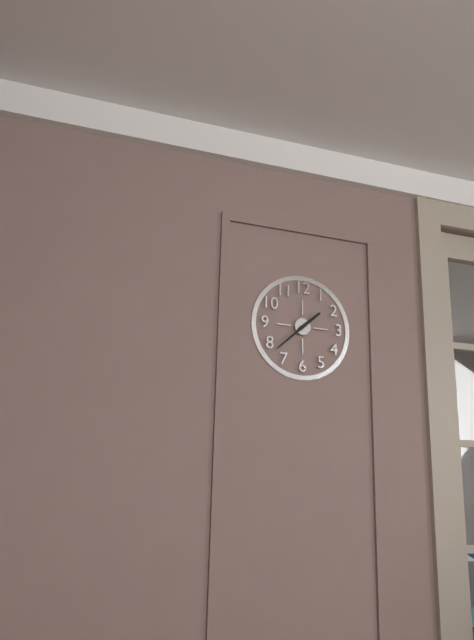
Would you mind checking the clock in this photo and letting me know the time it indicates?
1:38
